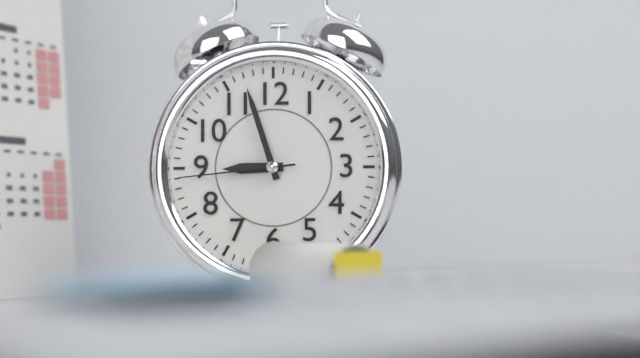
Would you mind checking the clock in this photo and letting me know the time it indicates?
8:57:44
